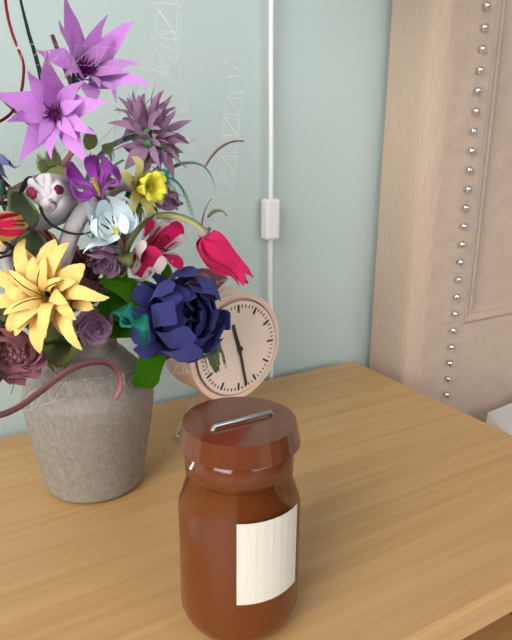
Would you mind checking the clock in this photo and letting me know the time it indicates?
11:28
